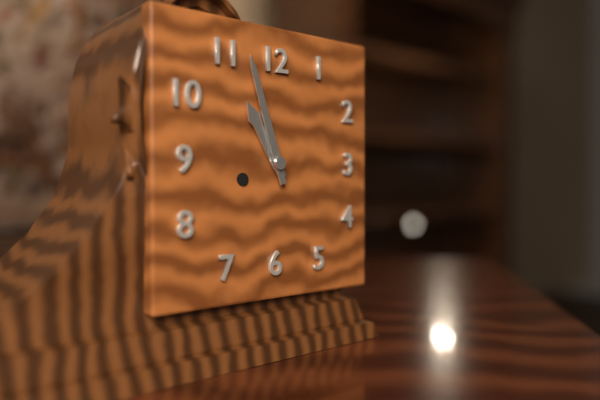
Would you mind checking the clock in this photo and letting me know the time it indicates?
10:57
